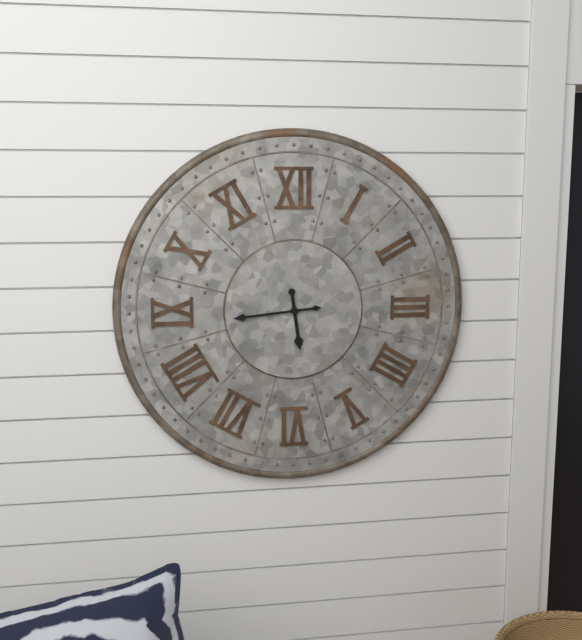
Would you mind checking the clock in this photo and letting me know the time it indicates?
5:44
